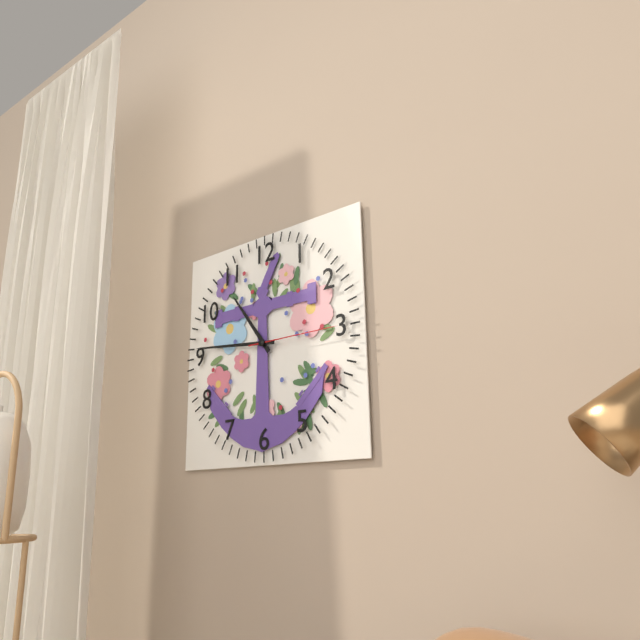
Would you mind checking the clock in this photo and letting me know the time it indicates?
10:46:15
